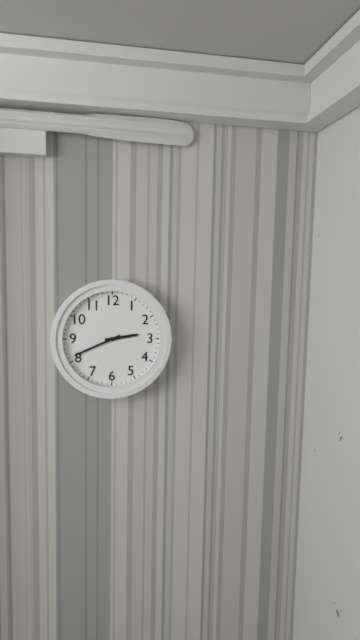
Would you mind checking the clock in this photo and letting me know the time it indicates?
2:41
